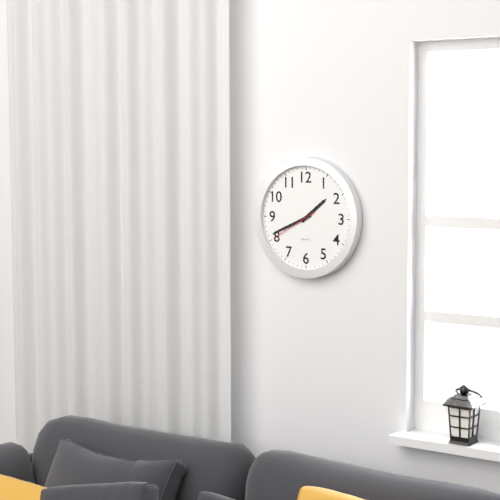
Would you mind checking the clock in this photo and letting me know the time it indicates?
1:41
